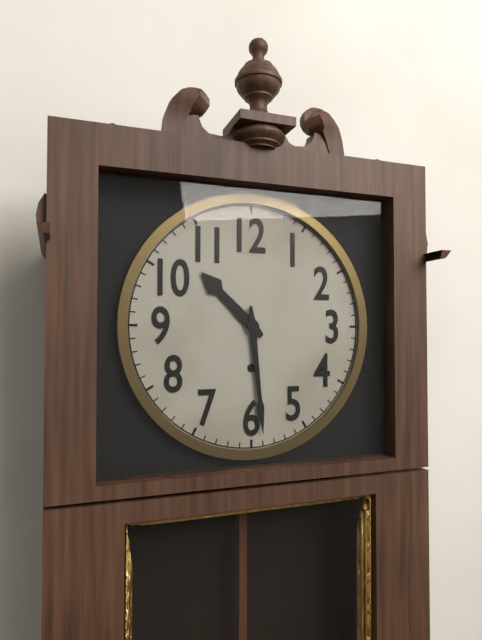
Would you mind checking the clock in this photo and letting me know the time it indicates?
10:29
